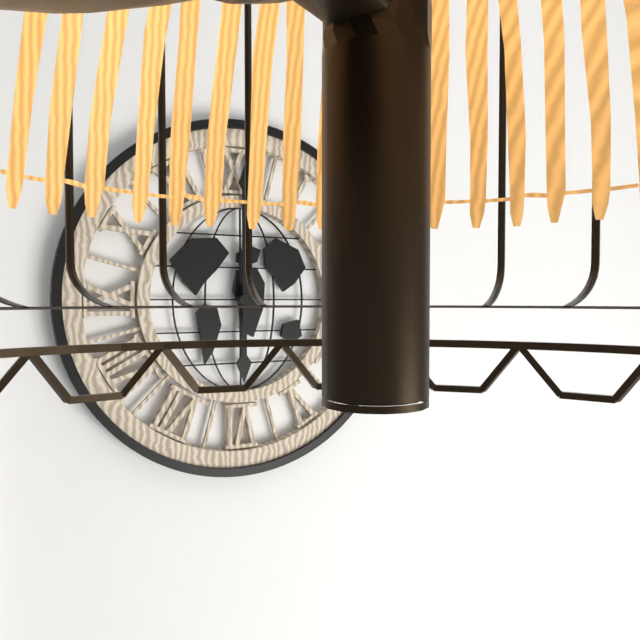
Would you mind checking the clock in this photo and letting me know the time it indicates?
6:00
